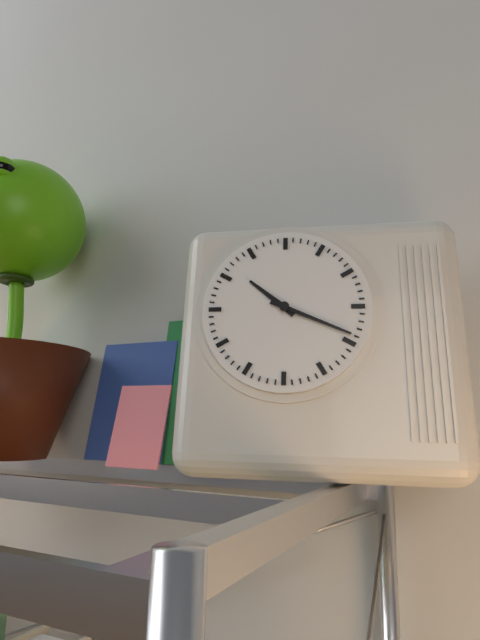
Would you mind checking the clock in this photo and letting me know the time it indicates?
10:19
